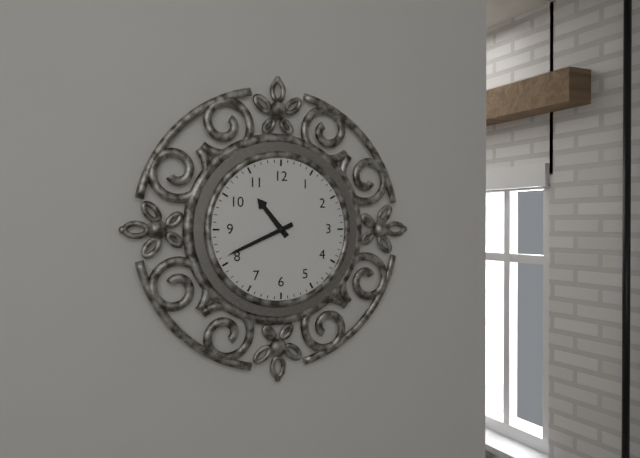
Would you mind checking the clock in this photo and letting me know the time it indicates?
10:41
